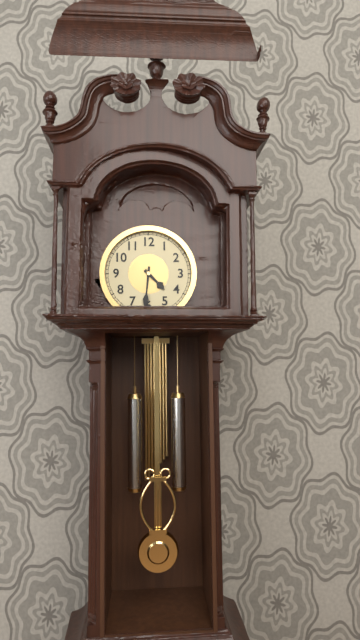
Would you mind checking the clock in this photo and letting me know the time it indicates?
4:31
